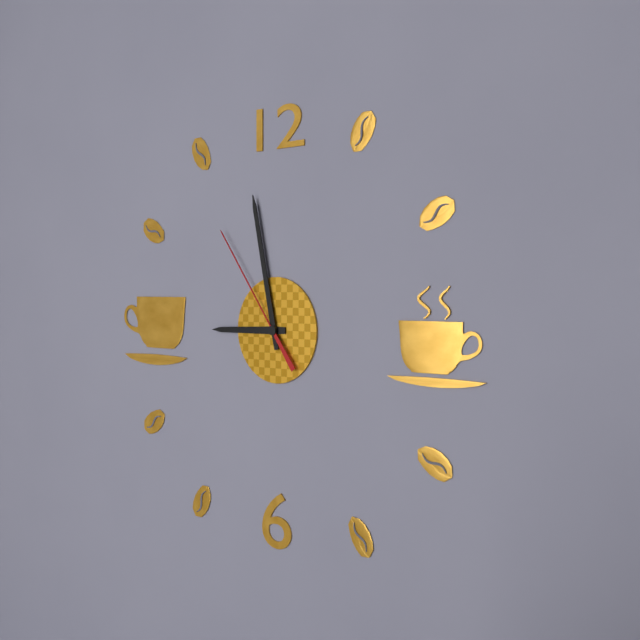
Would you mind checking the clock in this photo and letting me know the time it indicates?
8:58:54
